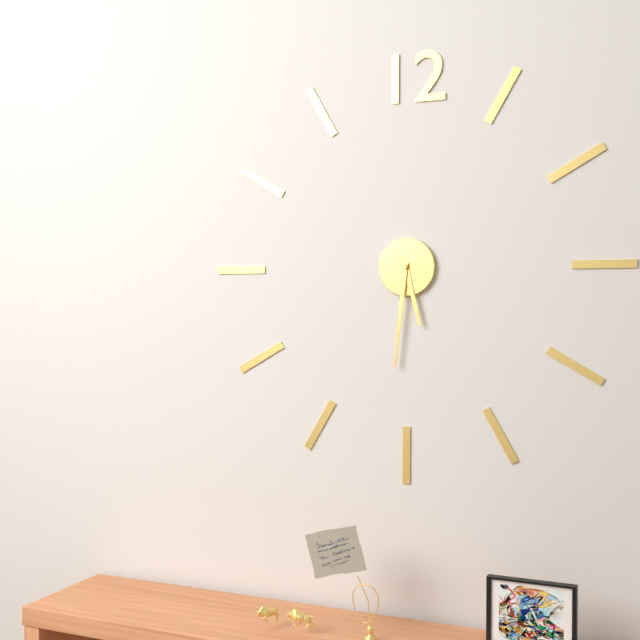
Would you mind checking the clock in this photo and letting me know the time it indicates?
5:31
